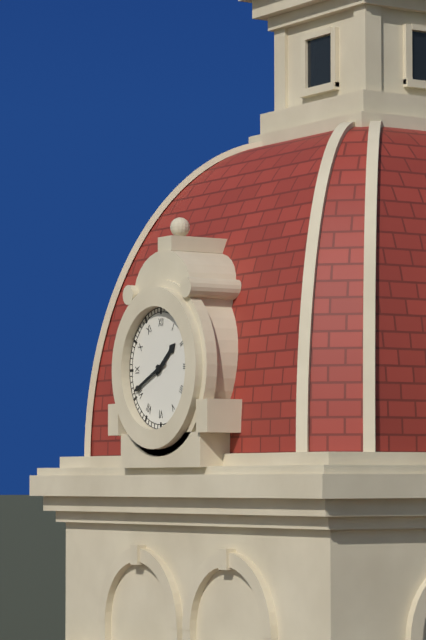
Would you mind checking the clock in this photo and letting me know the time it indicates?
1:41
